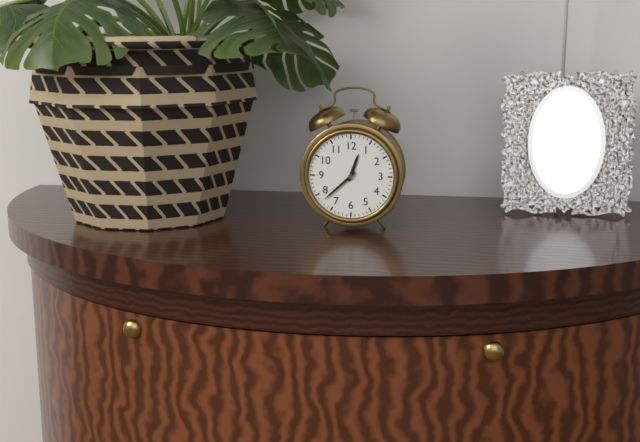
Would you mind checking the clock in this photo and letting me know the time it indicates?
12:38
